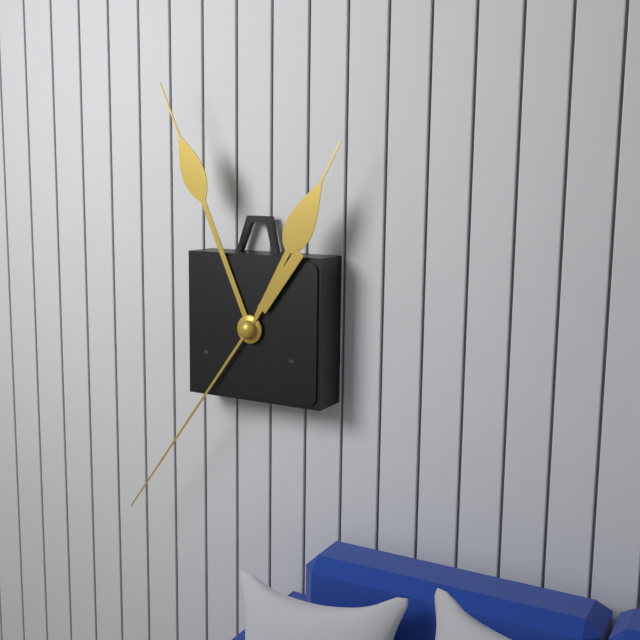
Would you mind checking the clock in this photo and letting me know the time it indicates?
12:56:36
